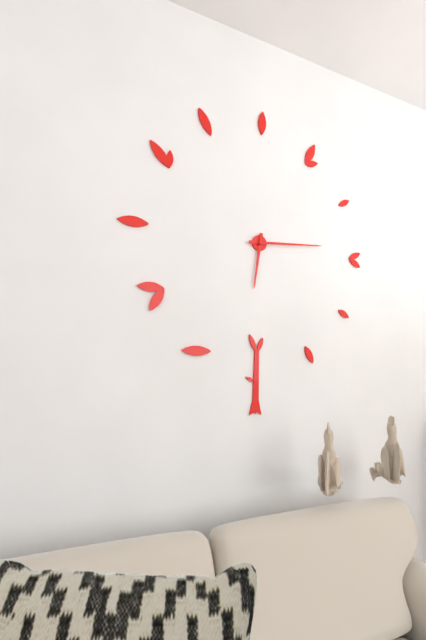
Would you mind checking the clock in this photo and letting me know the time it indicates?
6:14
